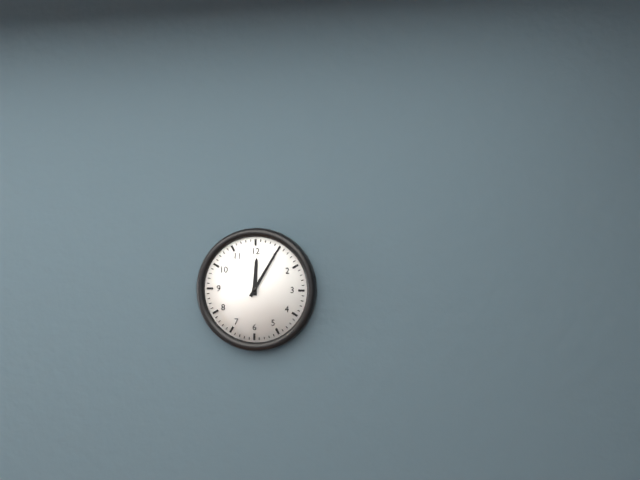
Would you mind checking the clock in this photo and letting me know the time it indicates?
12:05
